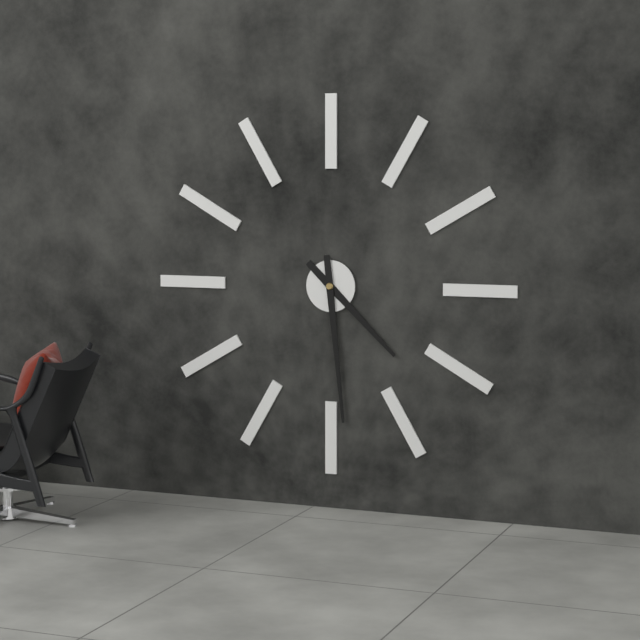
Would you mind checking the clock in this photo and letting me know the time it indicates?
4:29
